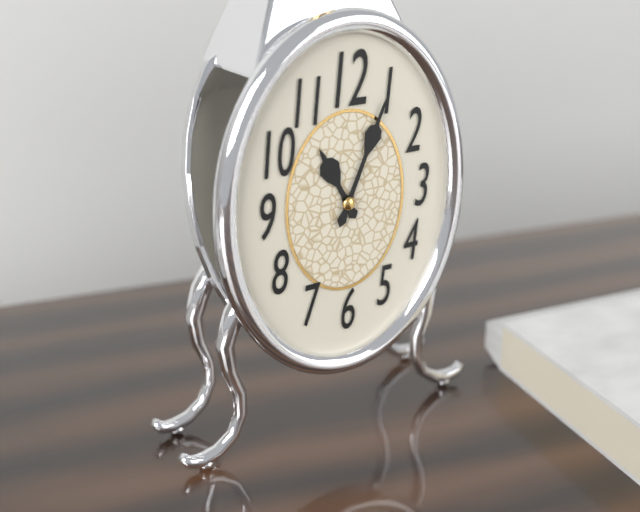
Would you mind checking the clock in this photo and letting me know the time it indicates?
11:04
